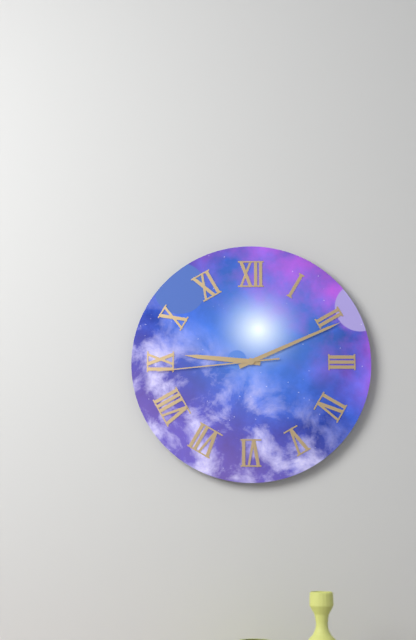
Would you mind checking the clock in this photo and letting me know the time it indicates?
9:11:44
